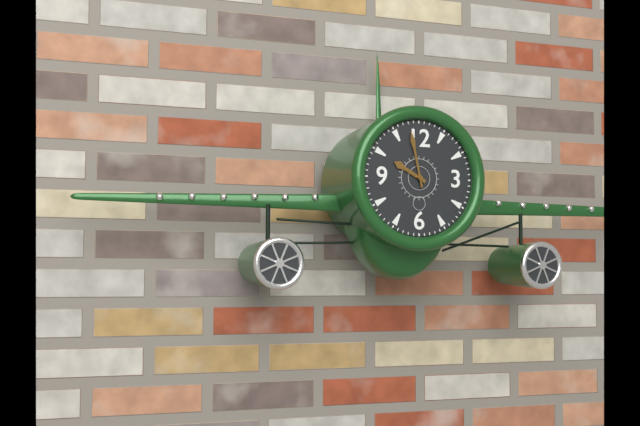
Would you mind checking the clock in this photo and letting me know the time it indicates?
9:58
